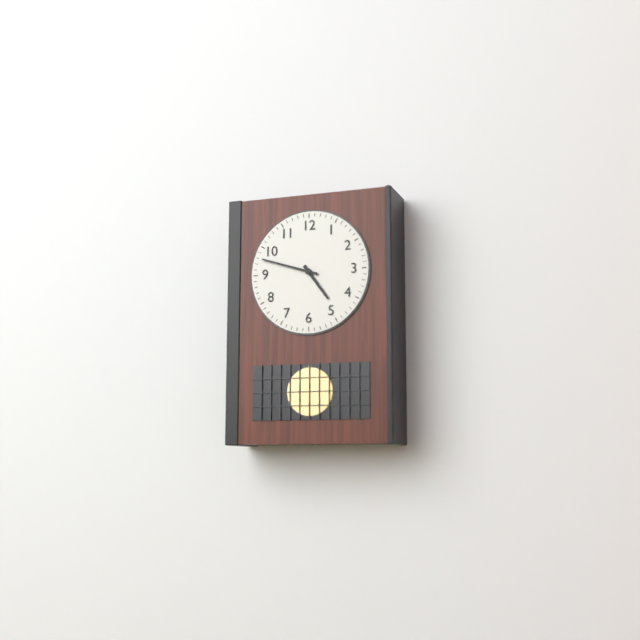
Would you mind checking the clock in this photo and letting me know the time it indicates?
4:48
